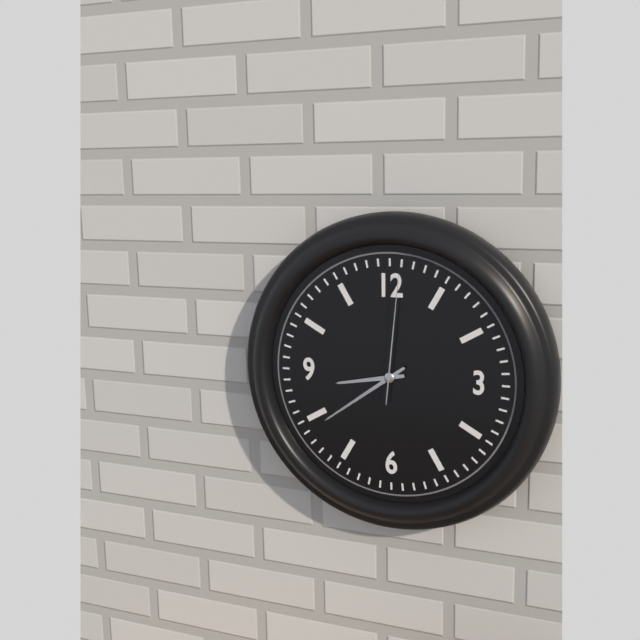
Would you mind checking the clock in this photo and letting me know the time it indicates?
8:39:01
